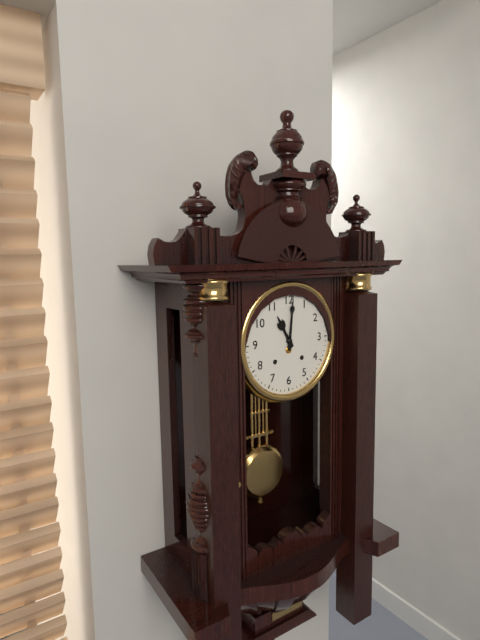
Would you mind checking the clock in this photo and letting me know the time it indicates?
11:01
